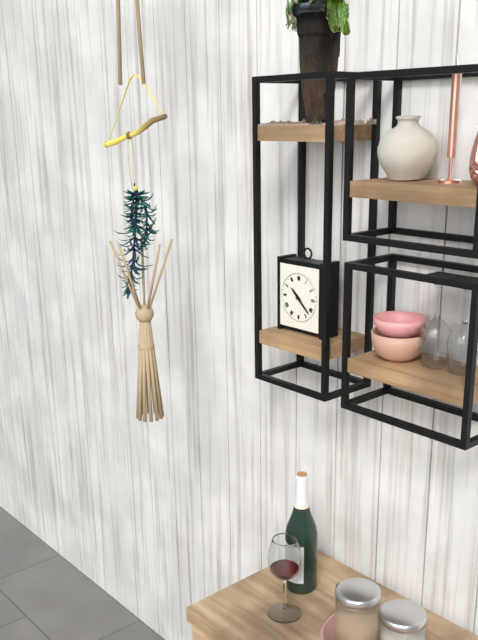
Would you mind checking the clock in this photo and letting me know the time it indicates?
10:22
